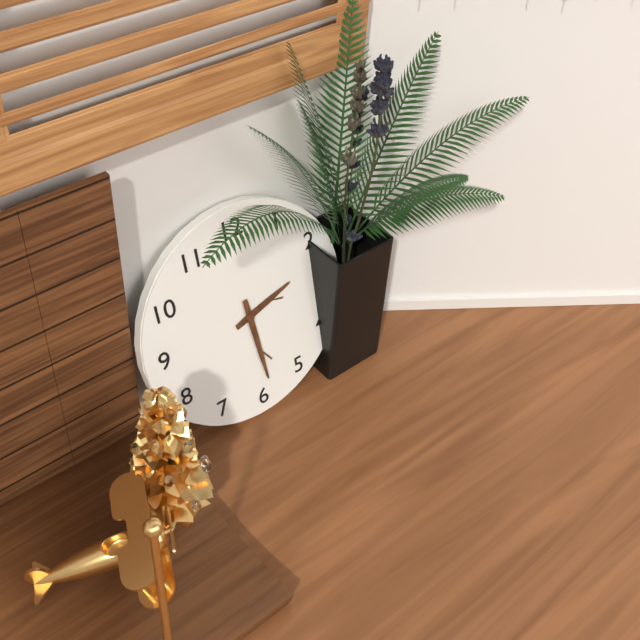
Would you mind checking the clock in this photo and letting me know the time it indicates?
2:29
